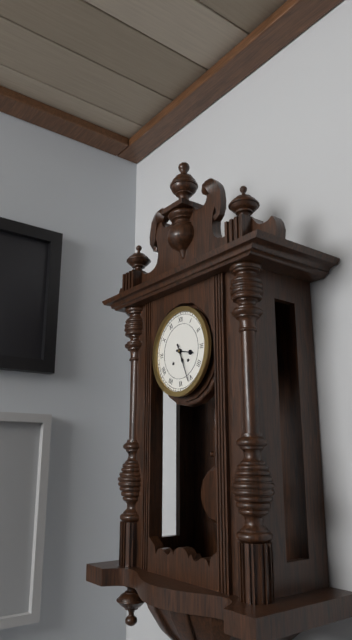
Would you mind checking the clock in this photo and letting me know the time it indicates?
3:26
